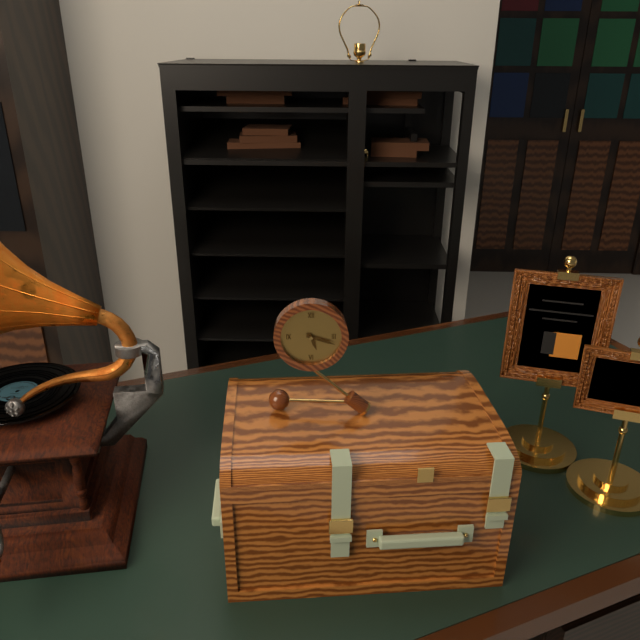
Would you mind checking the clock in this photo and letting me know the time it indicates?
5:18
